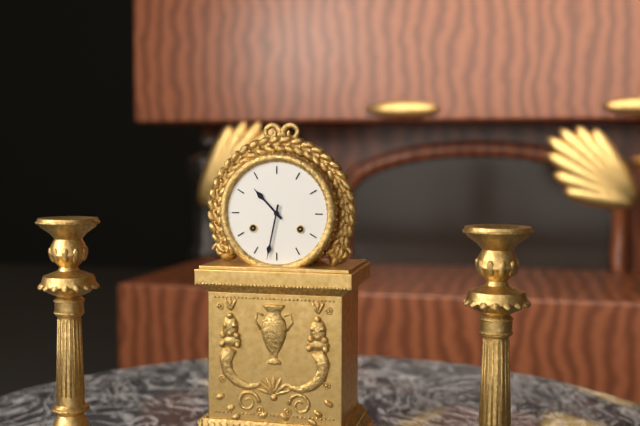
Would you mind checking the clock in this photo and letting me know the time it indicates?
10:32
